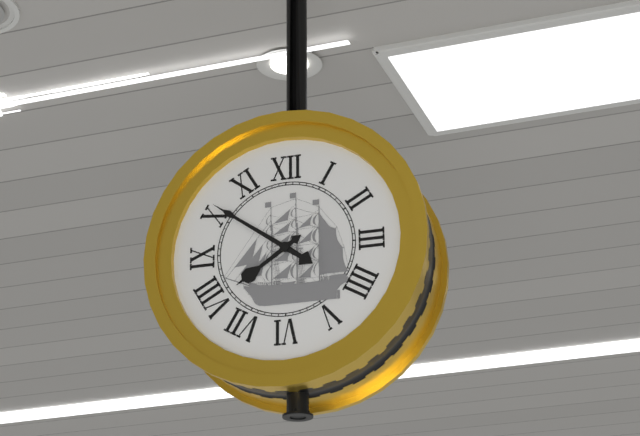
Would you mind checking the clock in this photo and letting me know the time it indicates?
7:51
